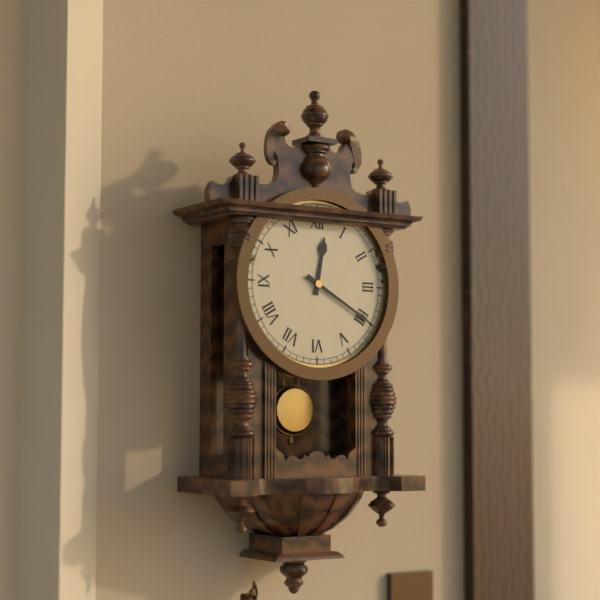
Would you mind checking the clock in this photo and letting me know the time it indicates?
12:20
